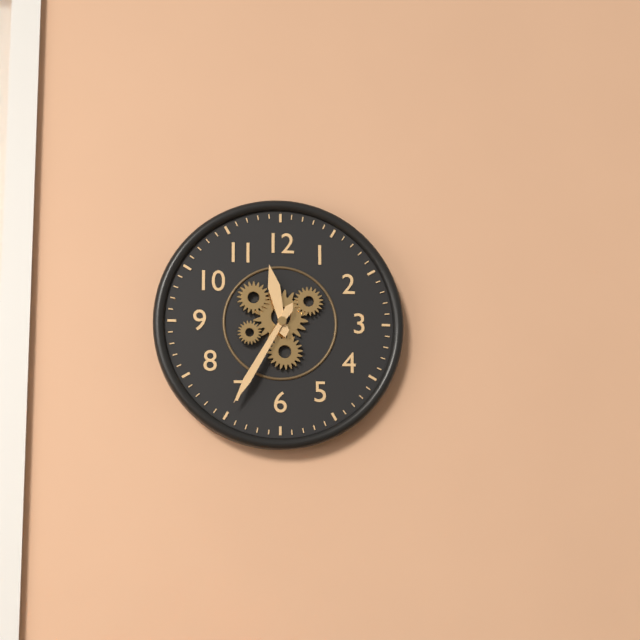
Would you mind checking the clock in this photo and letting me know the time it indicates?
11:35
